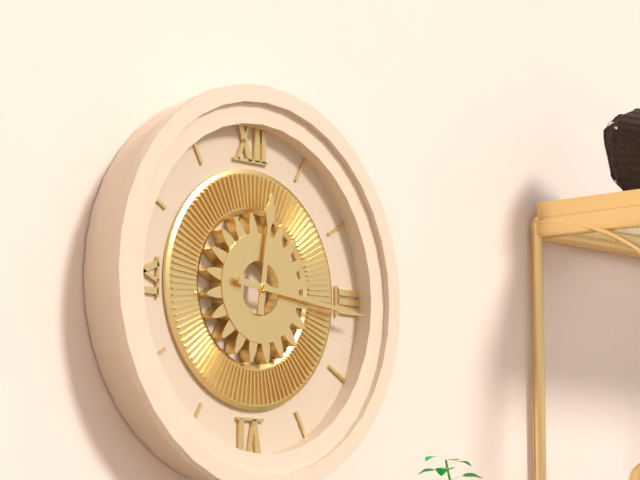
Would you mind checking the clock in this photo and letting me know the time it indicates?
12:16
